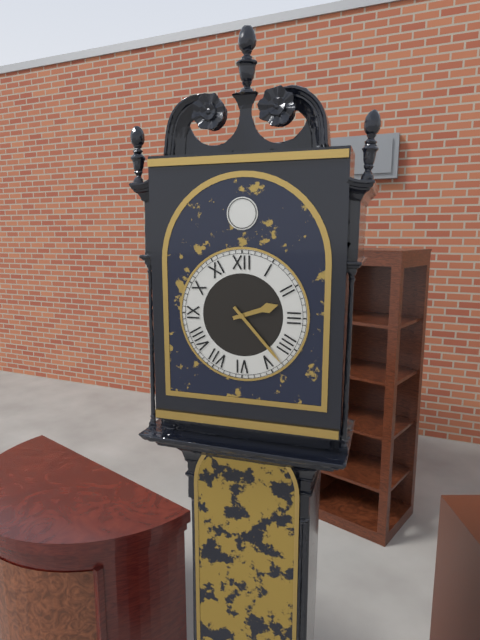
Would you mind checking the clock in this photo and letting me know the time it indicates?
2:23
